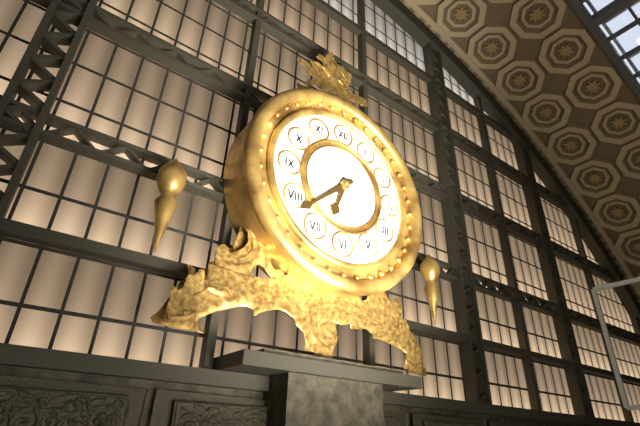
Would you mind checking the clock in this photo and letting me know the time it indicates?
6:38
